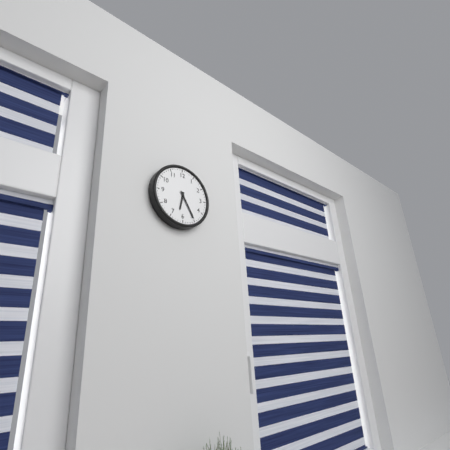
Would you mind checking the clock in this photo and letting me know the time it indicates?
6:25
